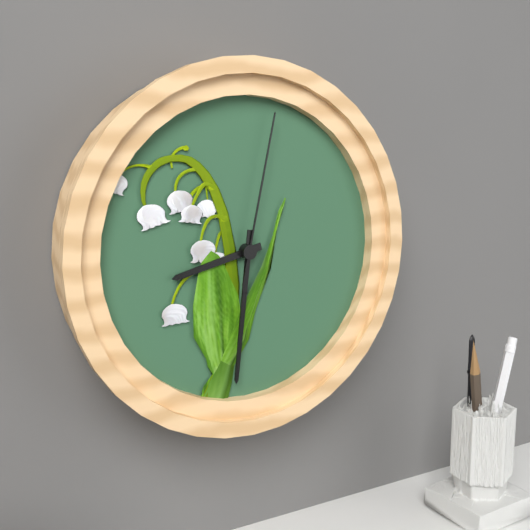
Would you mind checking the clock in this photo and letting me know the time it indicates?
8:31:02
